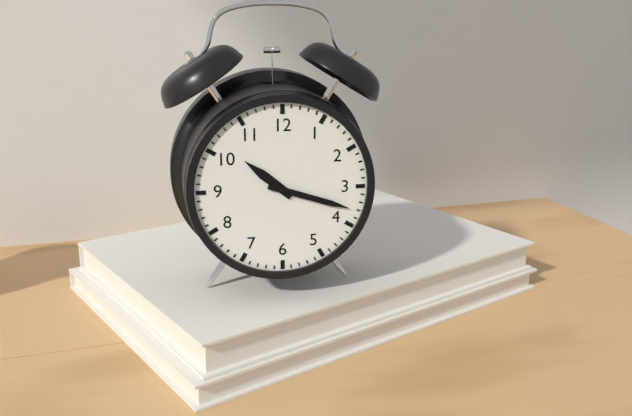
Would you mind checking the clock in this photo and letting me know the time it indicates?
10:18
